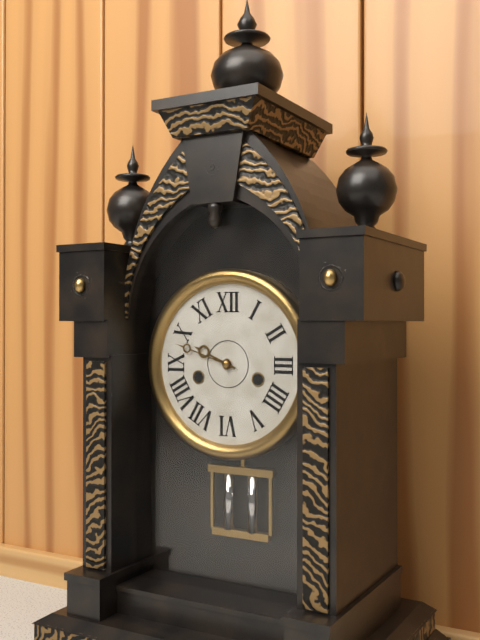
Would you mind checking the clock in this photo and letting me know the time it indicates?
9:48
